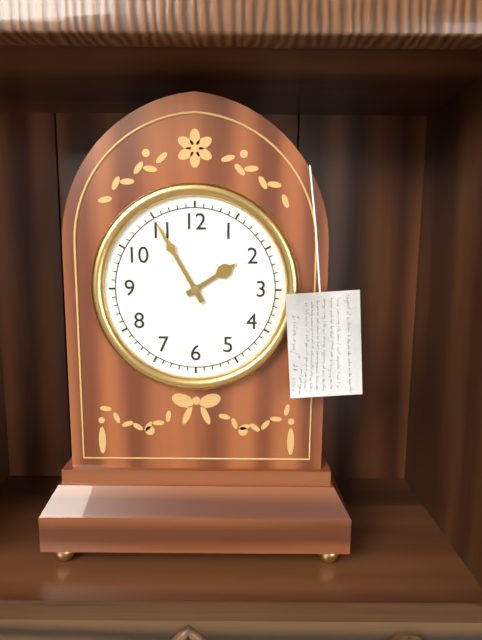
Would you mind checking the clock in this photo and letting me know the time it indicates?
1:55
